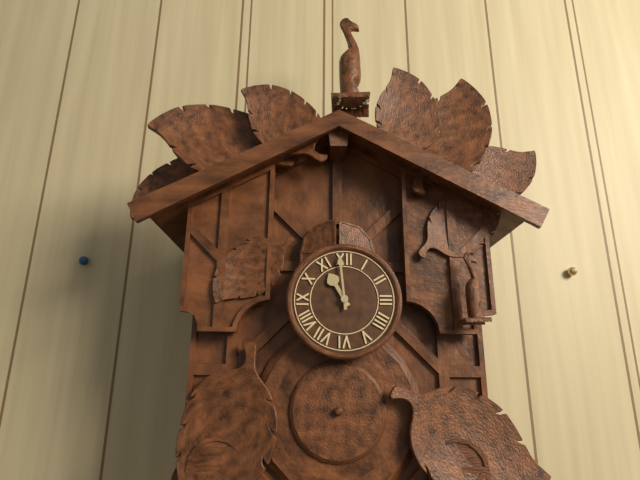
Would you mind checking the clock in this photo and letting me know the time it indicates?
10:59
